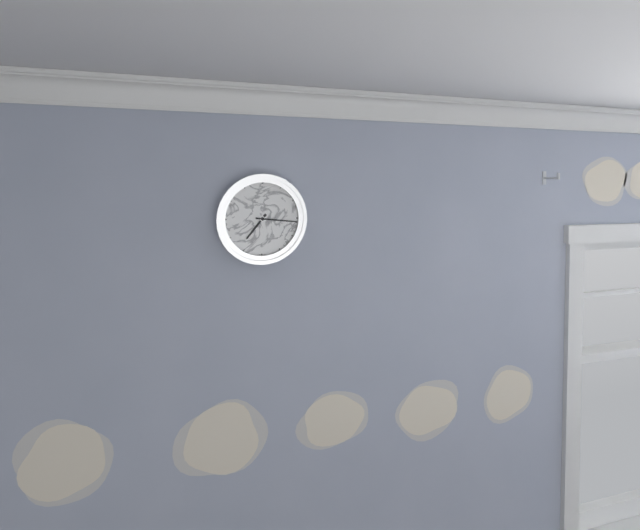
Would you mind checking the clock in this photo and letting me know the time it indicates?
7:16
